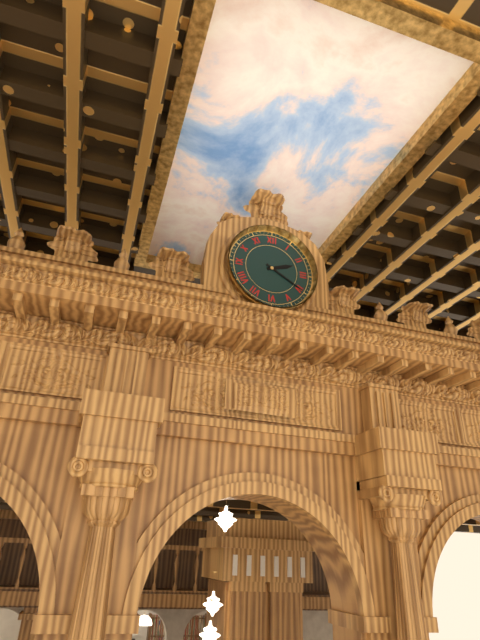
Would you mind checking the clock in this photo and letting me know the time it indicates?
2:20
